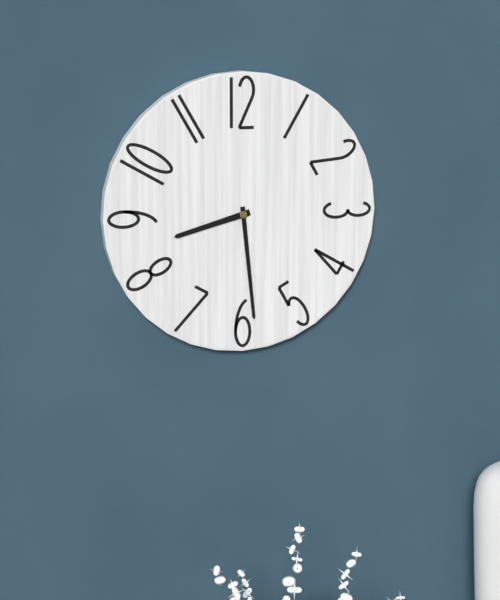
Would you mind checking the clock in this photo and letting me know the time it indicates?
8:29
